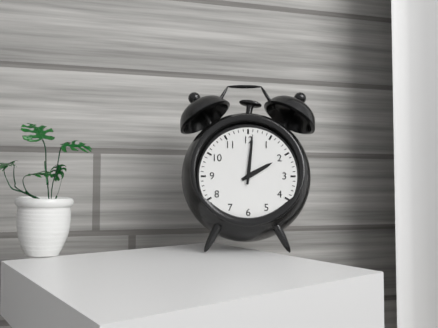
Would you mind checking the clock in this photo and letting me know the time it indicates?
2:01
